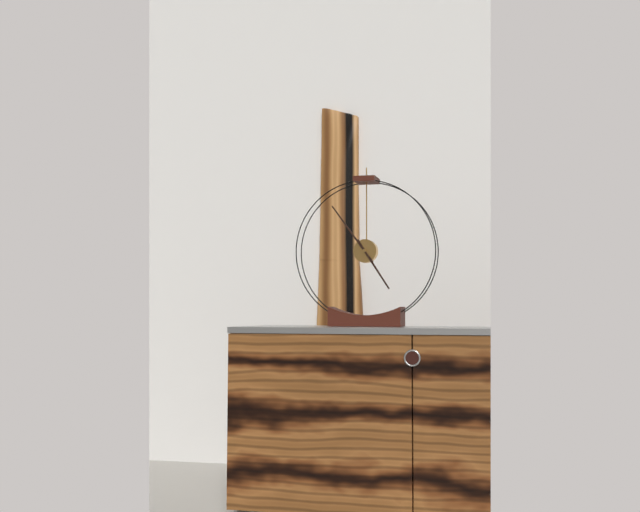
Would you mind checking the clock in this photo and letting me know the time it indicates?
4:54
